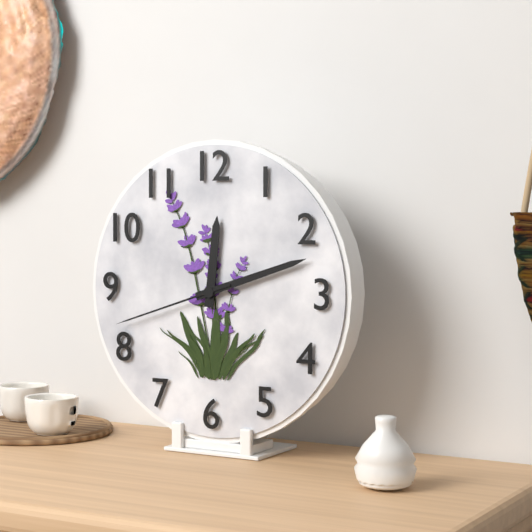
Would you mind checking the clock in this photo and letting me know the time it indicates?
12:12:42
